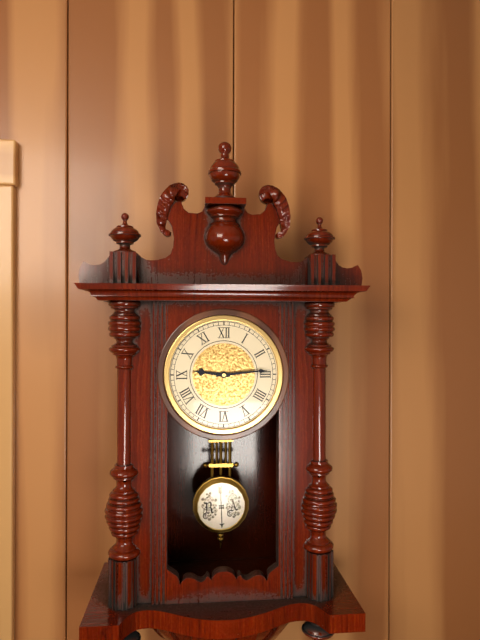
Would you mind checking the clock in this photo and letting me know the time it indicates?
9:14
